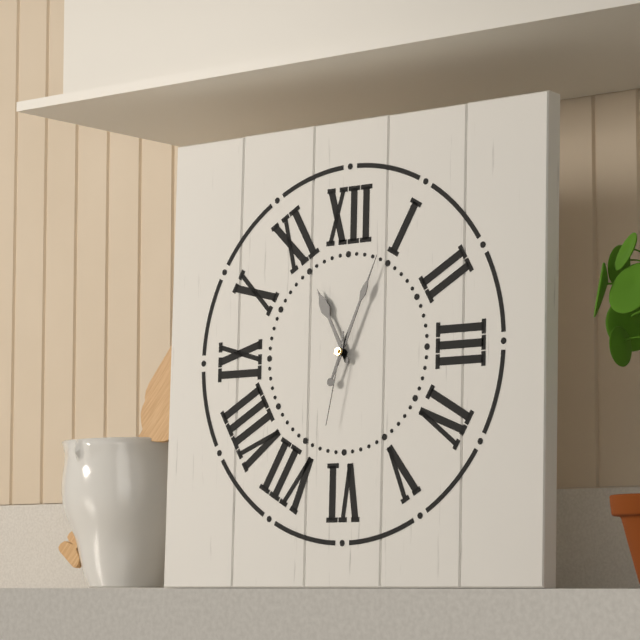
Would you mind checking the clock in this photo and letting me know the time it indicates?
11:04:32
